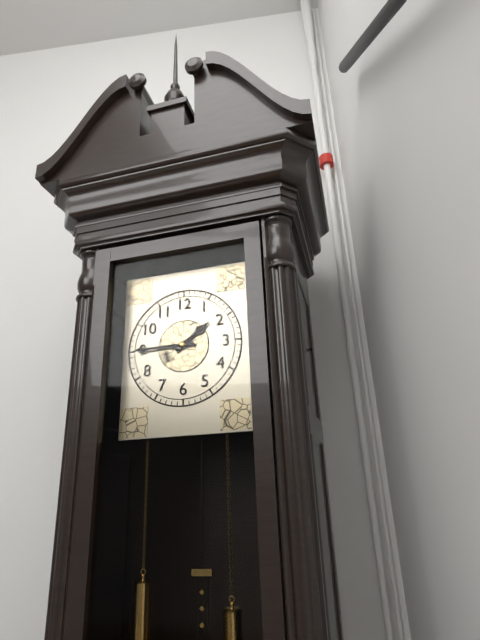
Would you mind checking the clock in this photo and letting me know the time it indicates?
1:45
